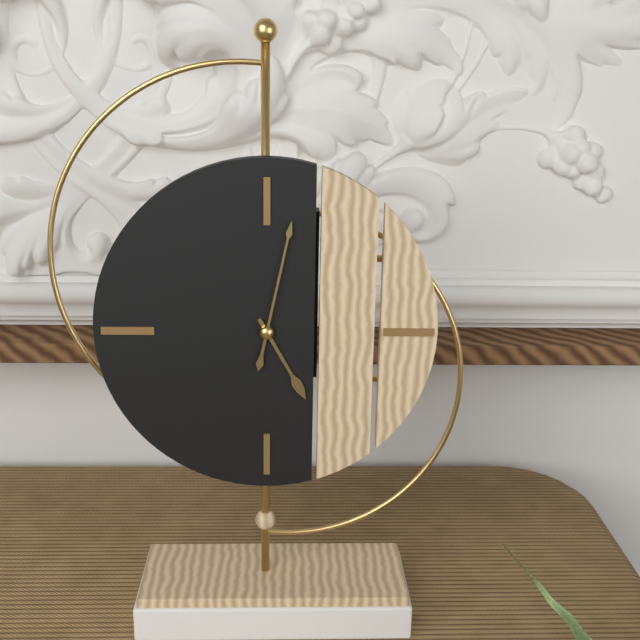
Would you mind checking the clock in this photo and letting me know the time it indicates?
5:02
